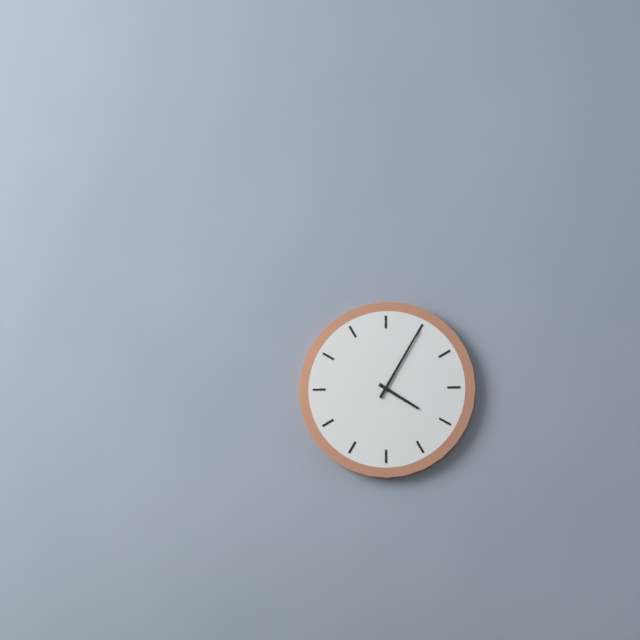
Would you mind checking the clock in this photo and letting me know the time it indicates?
4:05
